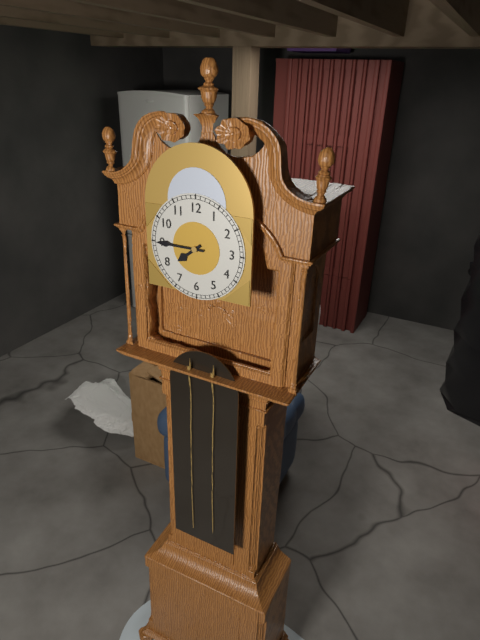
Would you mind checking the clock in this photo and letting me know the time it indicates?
7:45
